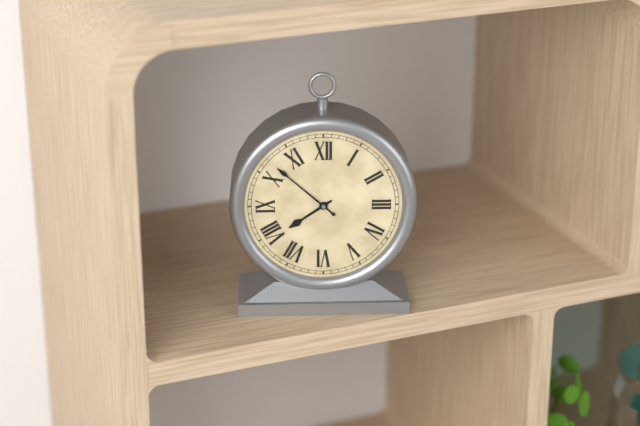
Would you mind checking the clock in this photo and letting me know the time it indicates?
7:52
